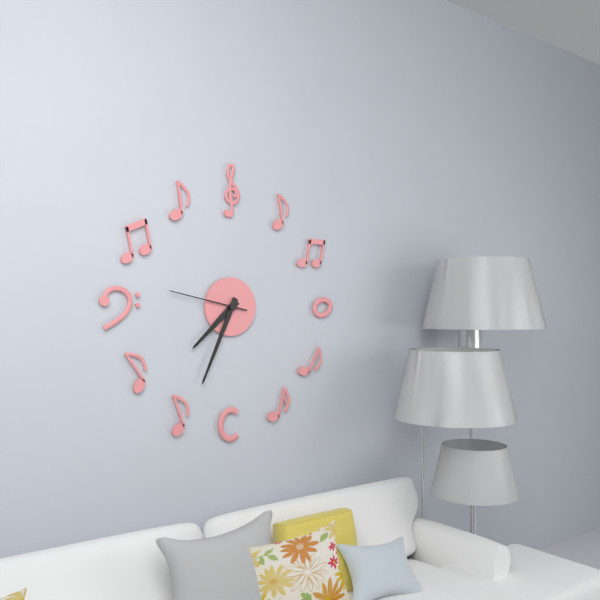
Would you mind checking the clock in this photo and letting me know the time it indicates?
7:34:47
